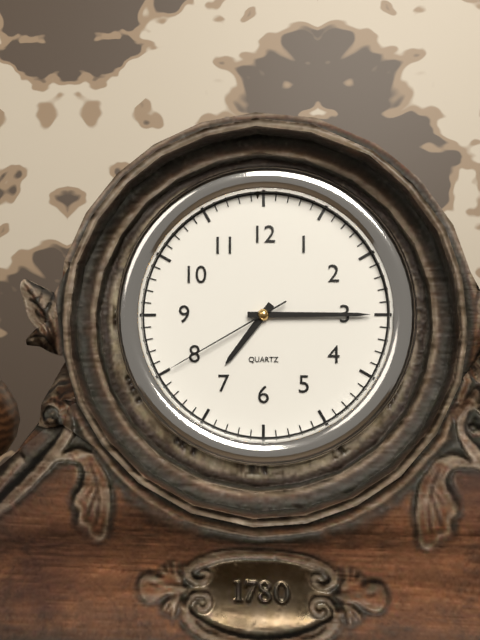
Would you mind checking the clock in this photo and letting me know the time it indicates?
7:15:40
